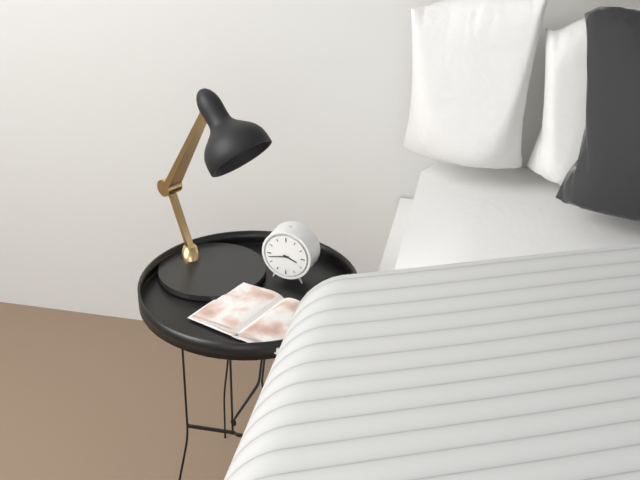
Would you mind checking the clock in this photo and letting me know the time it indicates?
3:43
